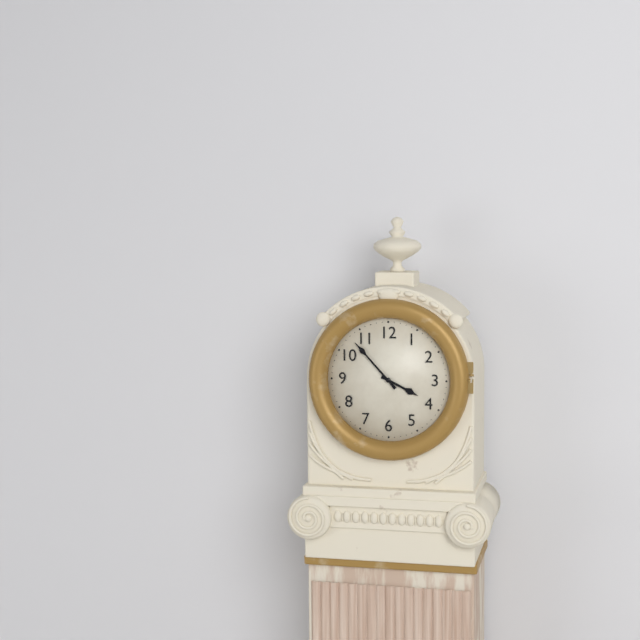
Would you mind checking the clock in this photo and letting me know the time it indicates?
3:53
